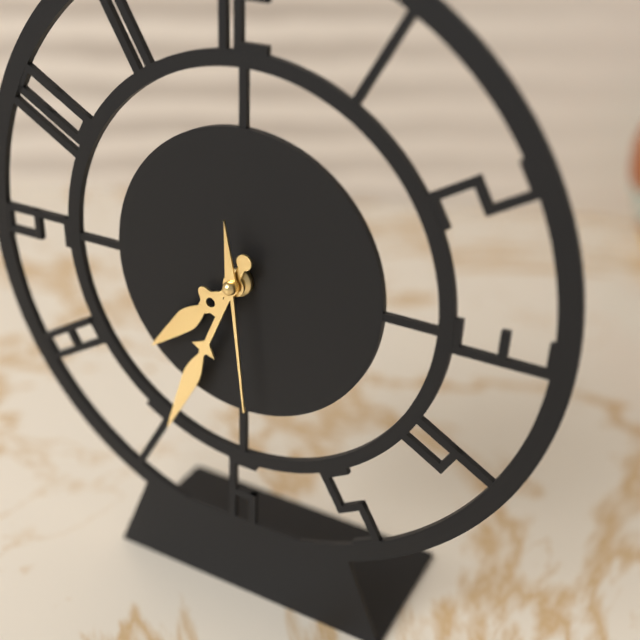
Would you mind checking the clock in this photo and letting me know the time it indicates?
7:34:29
